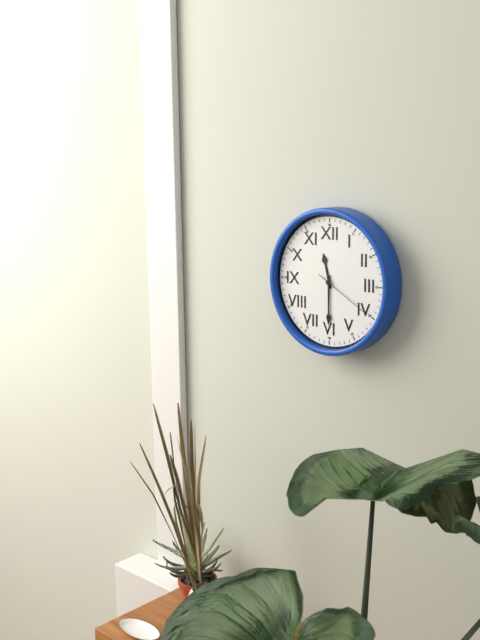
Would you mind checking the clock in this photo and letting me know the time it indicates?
11:30:20
